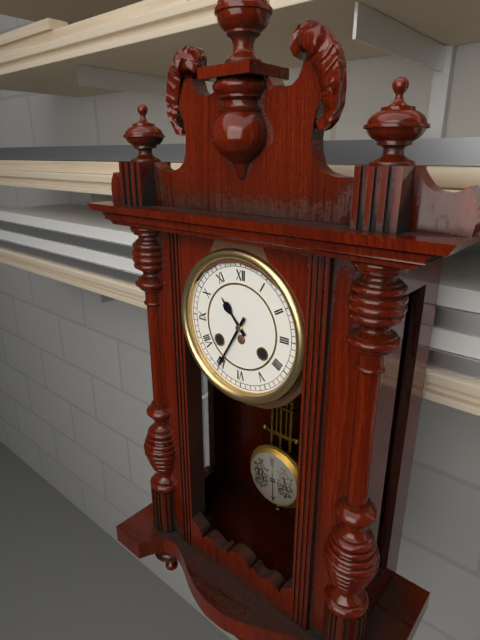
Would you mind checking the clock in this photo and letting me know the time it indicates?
10:35
